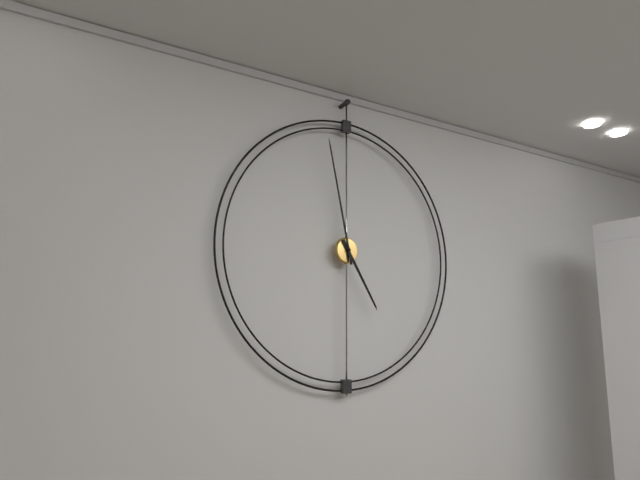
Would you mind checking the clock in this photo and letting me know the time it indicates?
4:58
